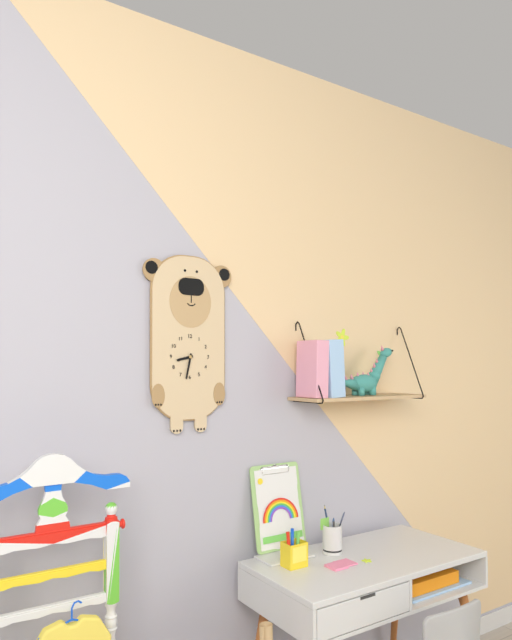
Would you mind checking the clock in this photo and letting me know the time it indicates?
8:32
